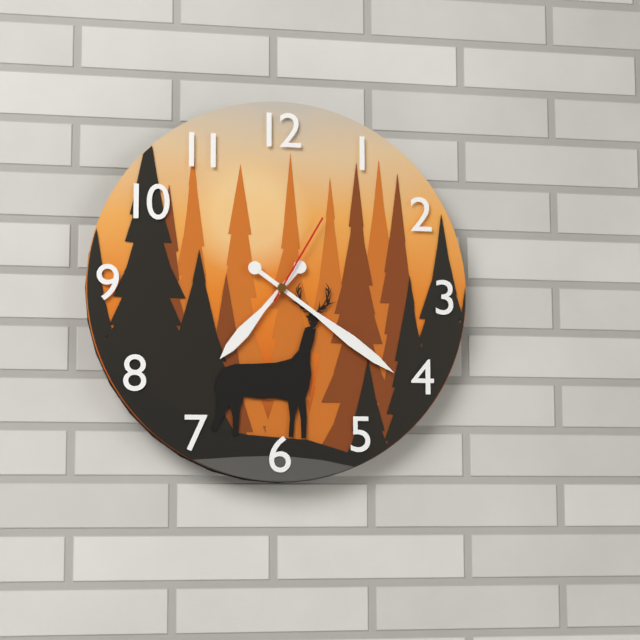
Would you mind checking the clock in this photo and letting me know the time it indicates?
7:21:05
